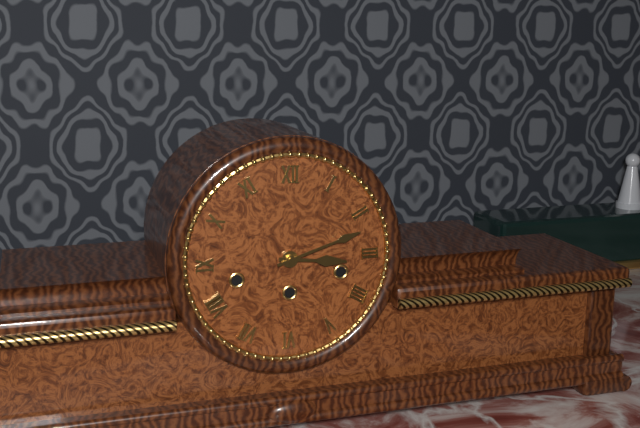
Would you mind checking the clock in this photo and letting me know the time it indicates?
3:12
